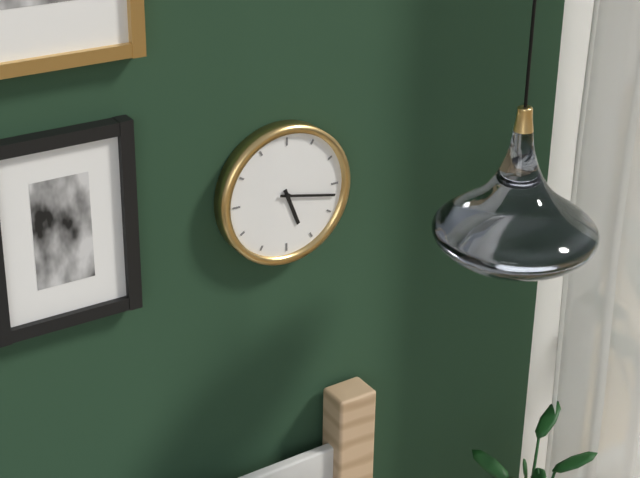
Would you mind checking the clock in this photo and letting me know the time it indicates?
5:17
